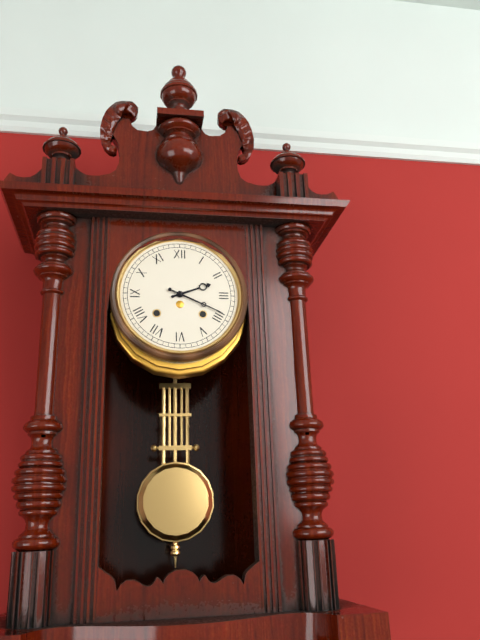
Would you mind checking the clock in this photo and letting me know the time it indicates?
2:19
